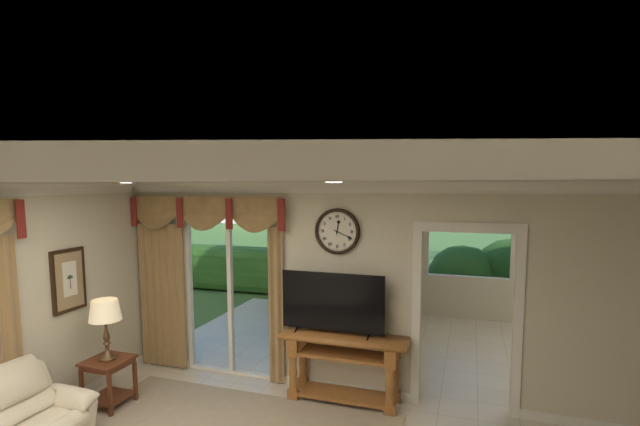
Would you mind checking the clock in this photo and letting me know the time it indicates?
12:19
